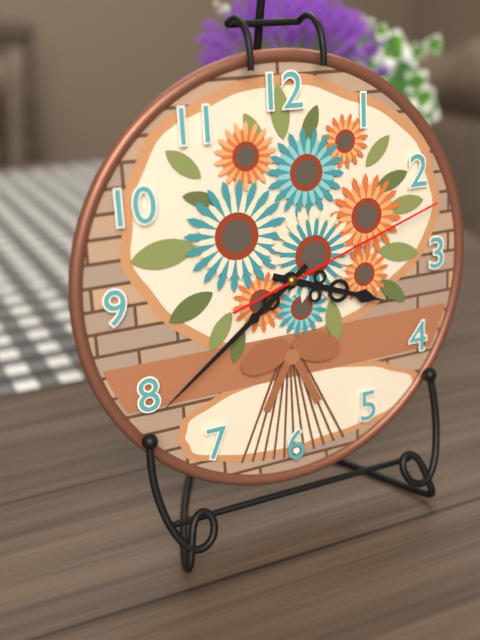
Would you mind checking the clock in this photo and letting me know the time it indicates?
3:39:12
